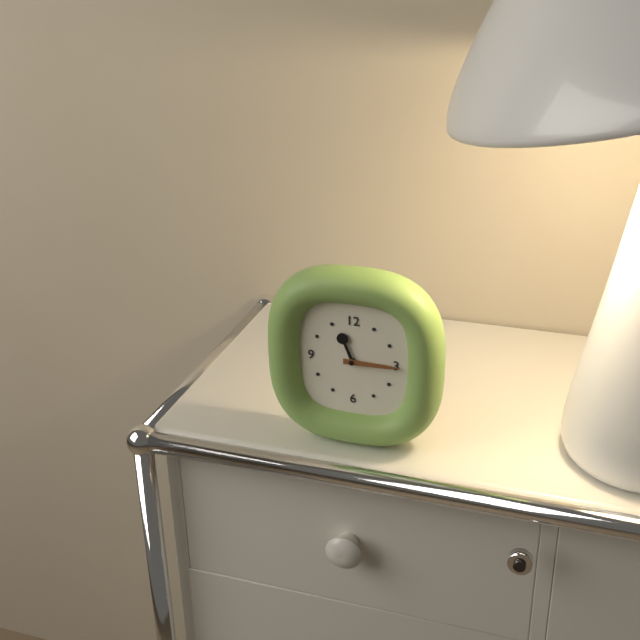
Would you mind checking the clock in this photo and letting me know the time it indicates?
11:15
